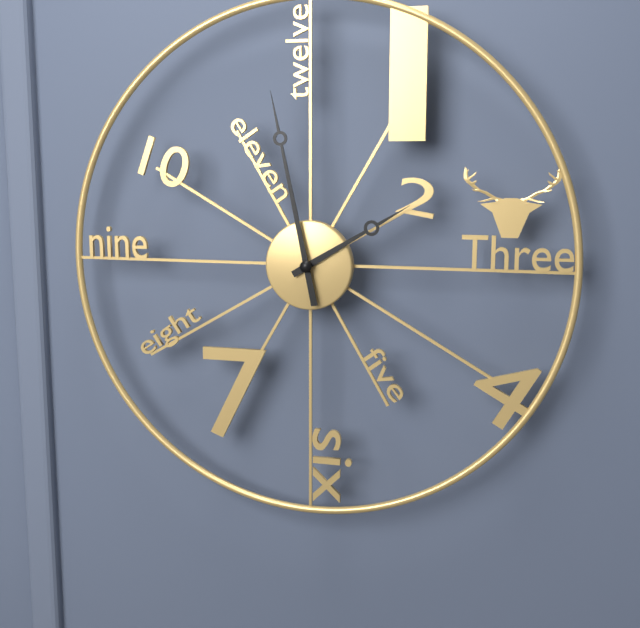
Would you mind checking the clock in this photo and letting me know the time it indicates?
1:58
